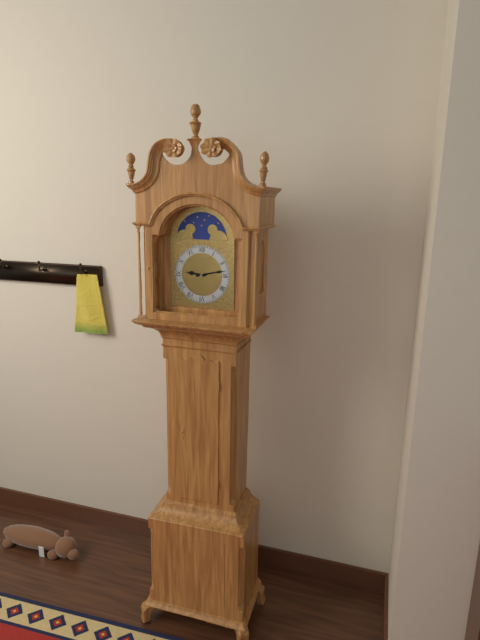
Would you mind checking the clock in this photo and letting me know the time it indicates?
9:13
